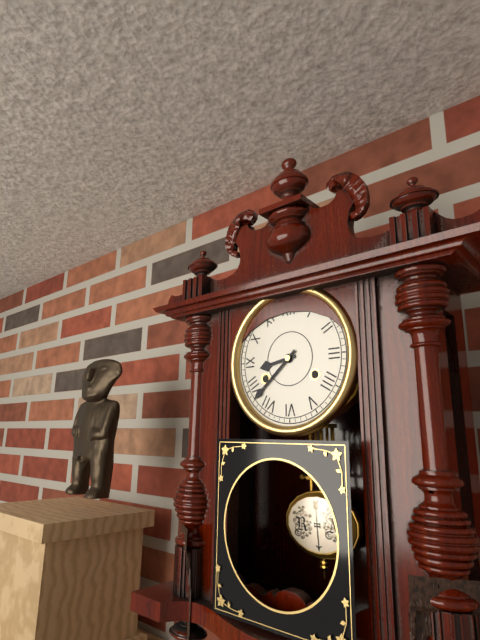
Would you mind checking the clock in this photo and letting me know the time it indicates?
8:38
